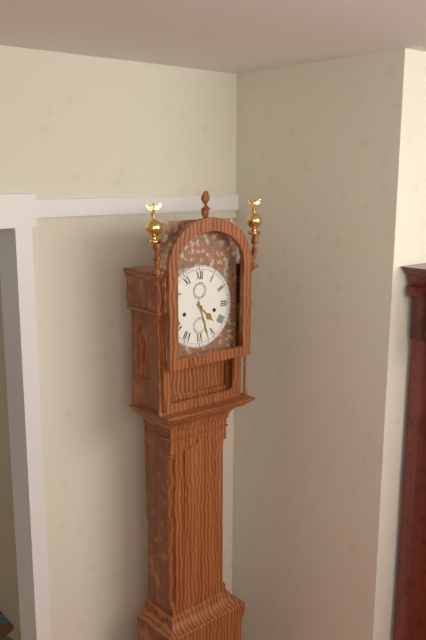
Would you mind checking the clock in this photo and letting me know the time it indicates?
4:27
